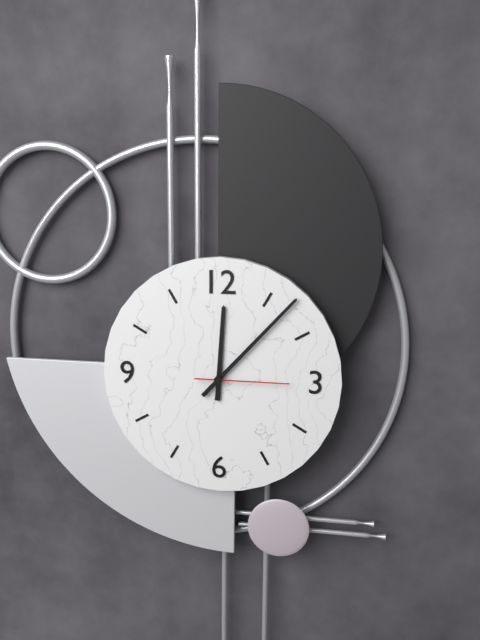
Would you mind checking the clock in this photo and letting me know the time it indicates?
12:07:15
